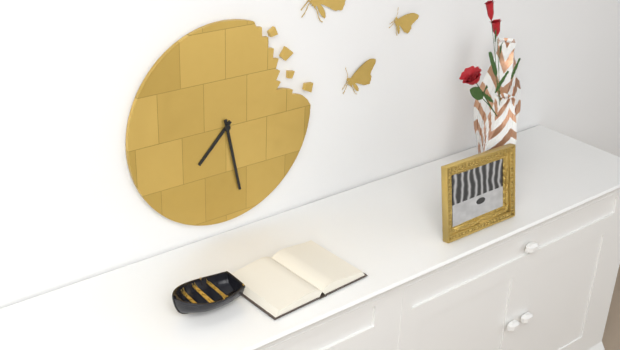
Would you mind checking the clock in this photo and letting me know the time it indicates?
7:28
